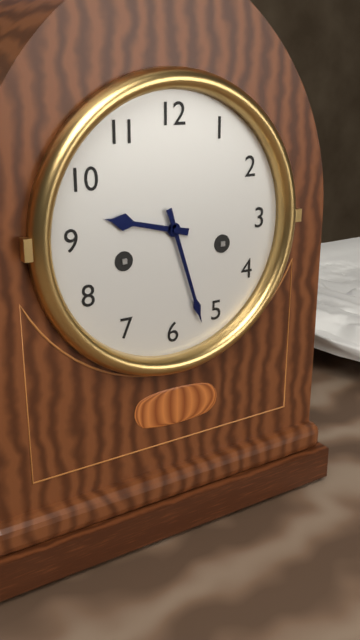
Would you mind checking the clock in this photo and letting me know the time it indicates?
9:27
